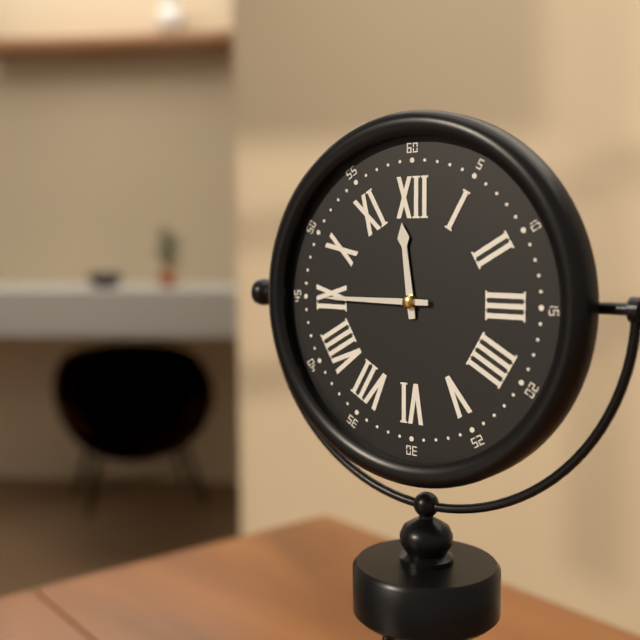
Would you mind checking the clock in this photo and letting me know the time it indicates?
11:45
